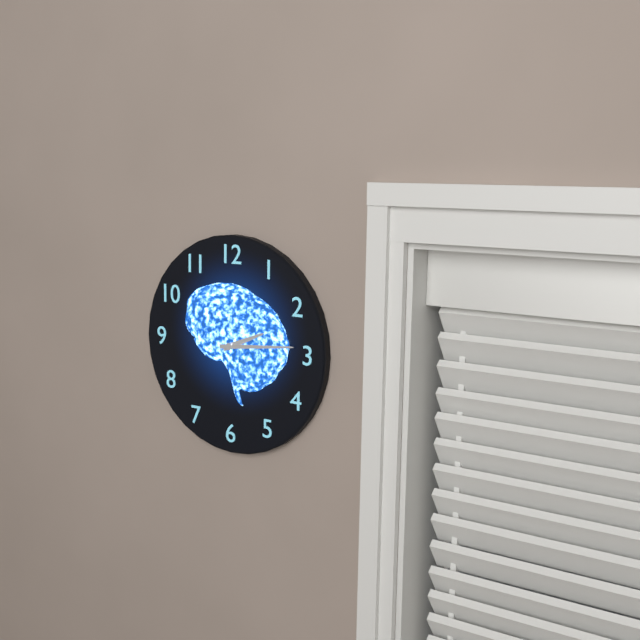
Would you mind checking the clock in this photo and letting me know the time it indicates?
2:14
